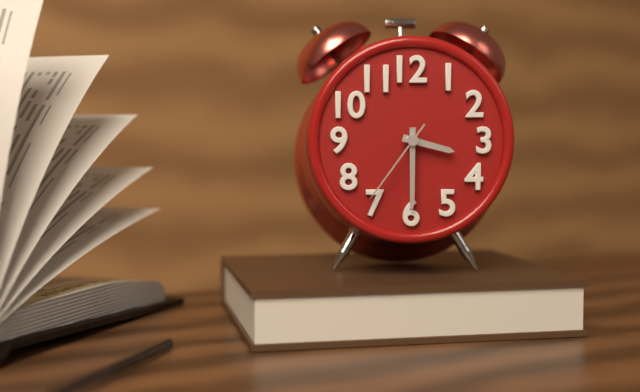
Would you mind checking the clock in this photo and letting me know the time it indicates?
3:30:36
